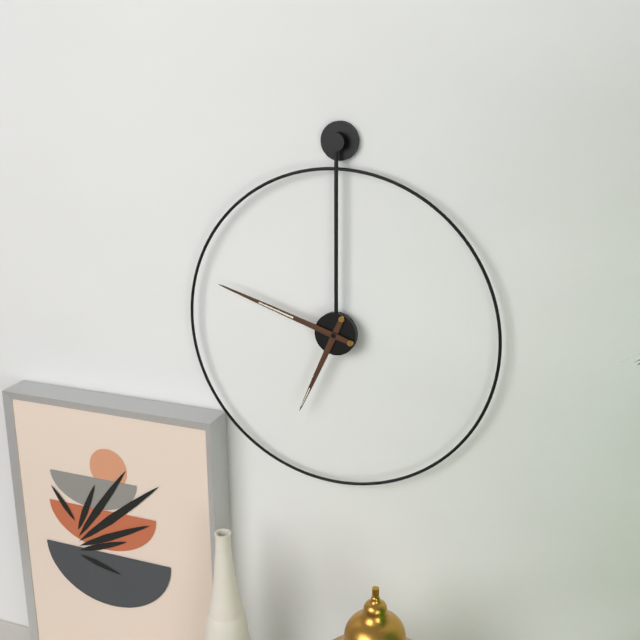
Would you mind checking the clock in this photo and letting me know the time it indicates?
6:48
